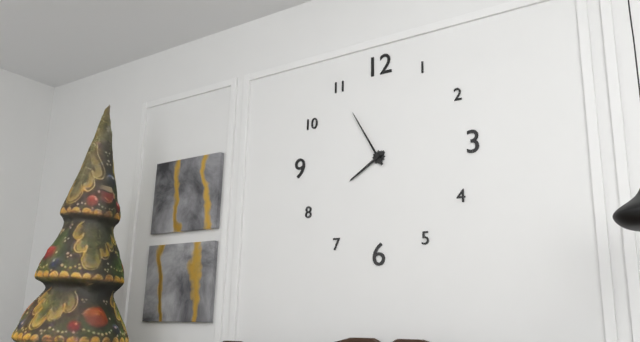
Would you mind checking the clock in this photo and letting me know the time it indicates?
7:55
